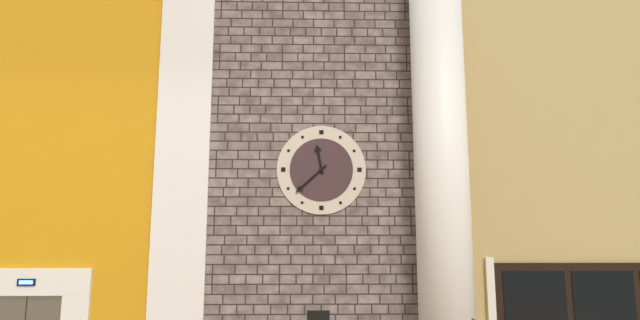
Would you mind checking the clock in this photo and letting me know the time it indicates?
11:38
